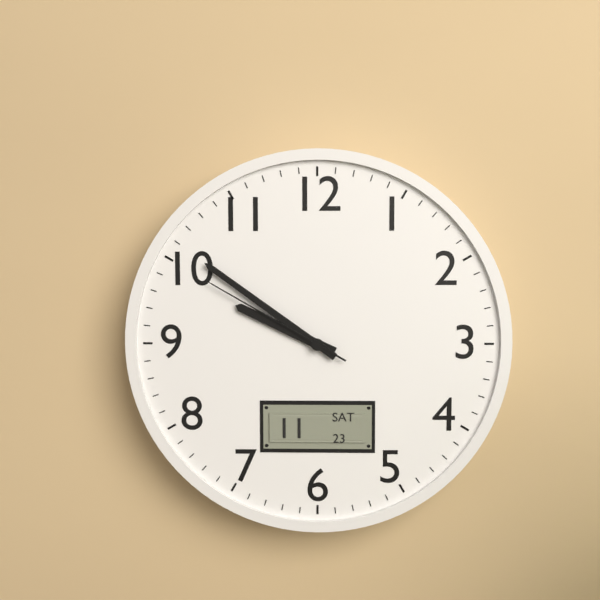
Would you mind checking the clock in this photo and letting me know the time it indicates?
9:51:50
